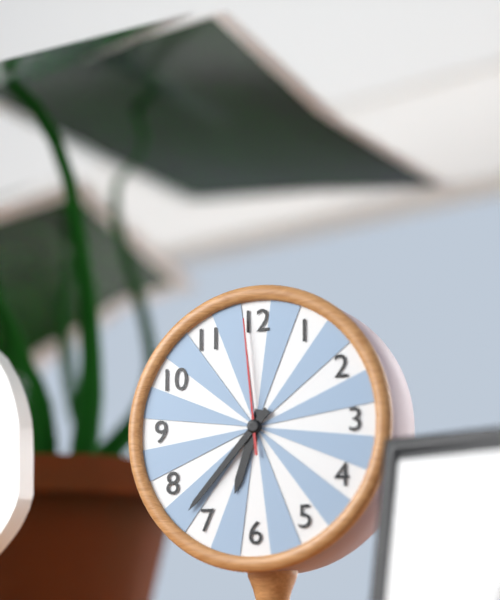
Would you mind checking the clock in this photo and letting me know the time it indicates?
6:37:59
